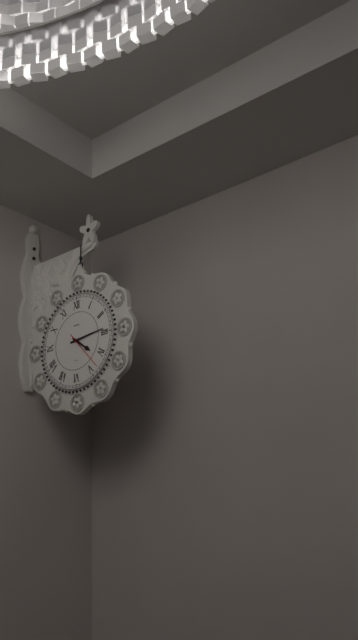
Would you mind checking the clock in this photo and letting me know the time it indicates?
4:14
